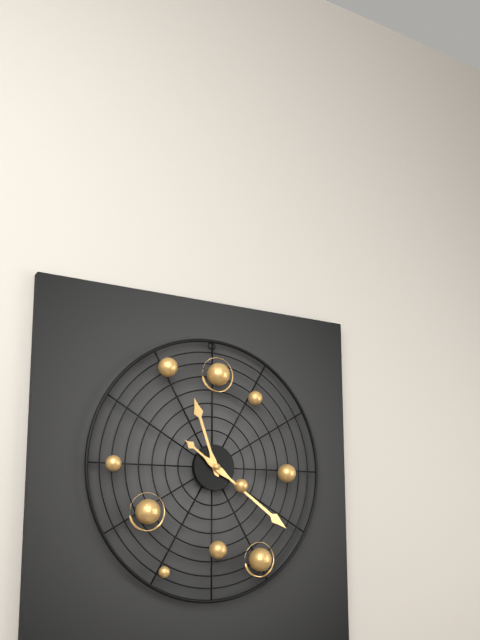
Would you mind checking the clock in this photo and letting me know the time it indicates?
11:21
